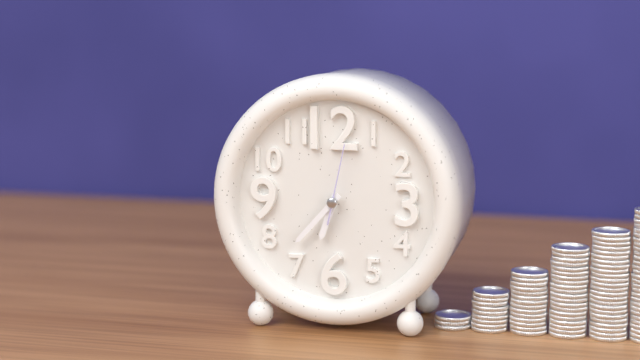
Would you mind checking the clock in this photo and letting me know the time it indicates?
6:37:02
